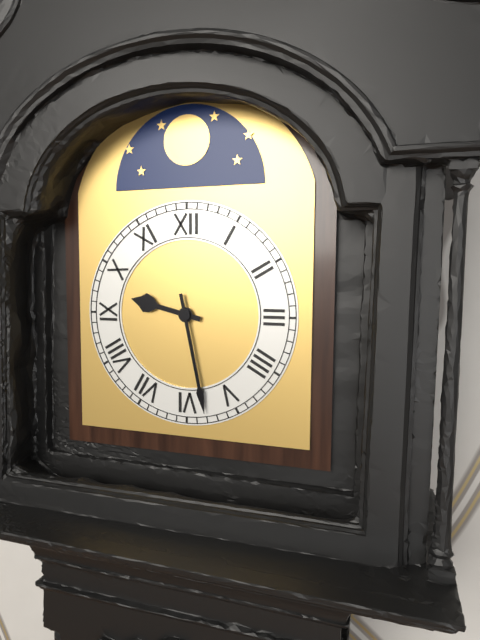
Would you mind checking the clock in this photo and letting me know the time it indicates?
9:28
